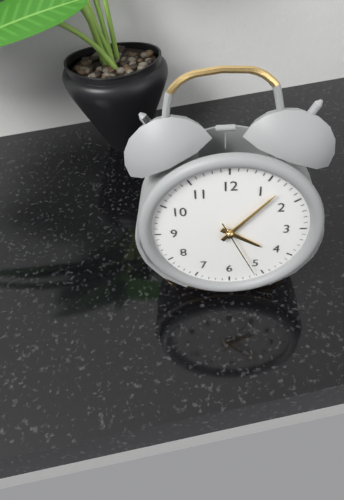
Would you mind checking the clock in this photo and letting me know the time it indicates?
4:07:26
